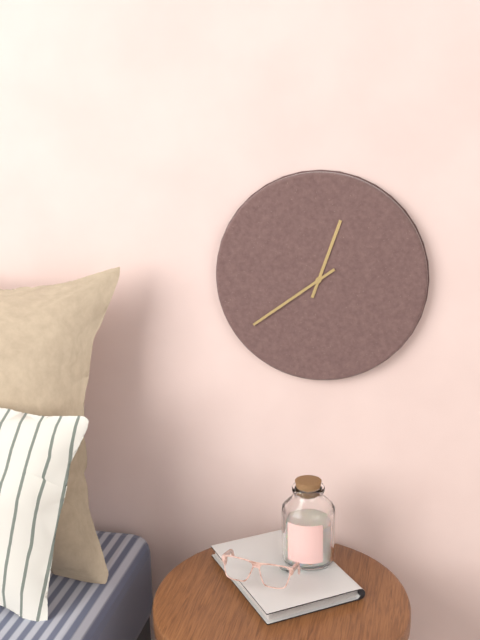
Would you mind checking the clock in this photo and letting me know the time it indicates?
12:39
